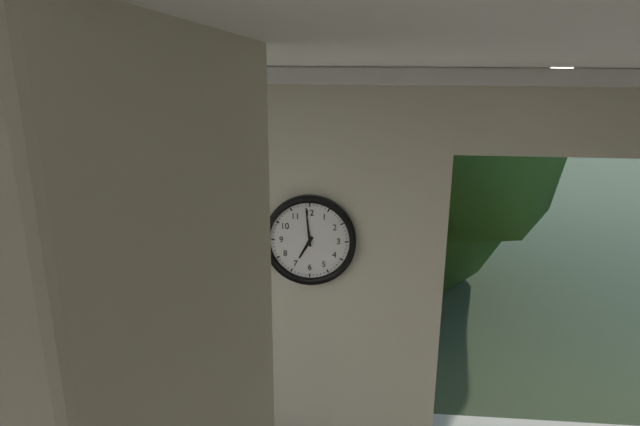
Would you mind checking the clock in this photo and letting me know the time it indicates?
6:59
